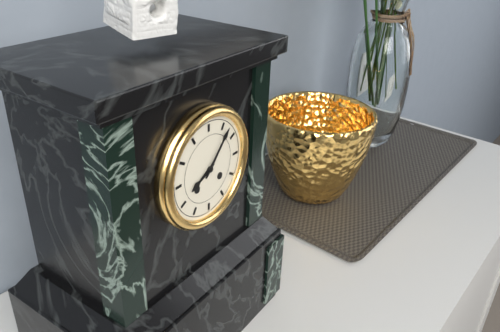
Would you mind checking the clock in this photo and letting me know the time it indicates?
8:07
